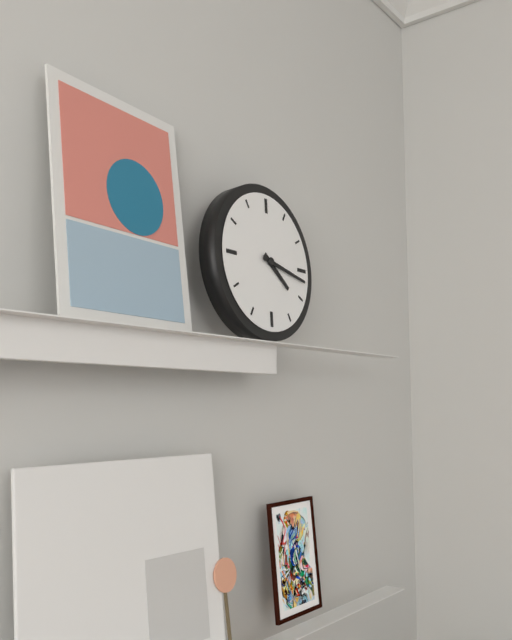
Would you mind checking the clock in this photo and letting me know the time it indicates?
4:17
